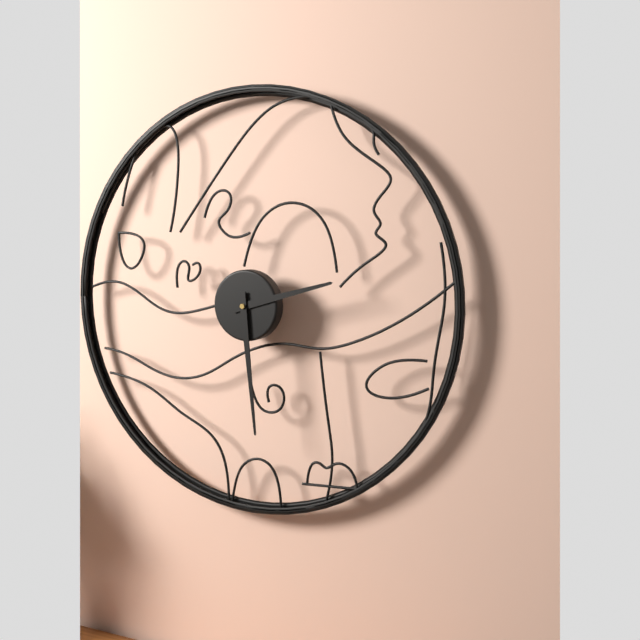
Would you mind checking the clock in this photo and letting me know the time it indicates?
2:29
